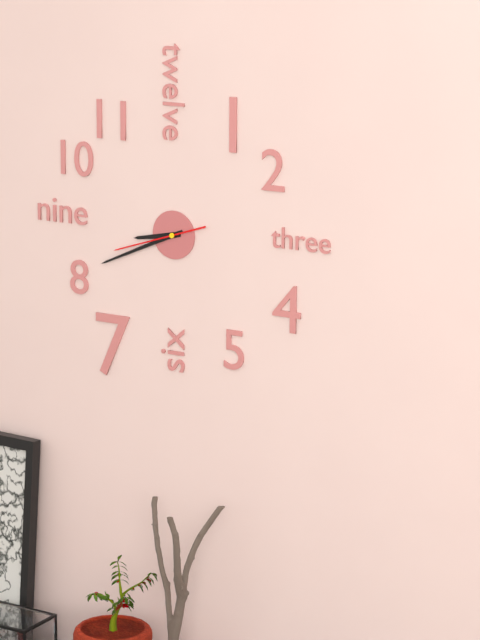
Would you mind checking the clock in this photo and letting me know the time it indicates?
8:41:42
